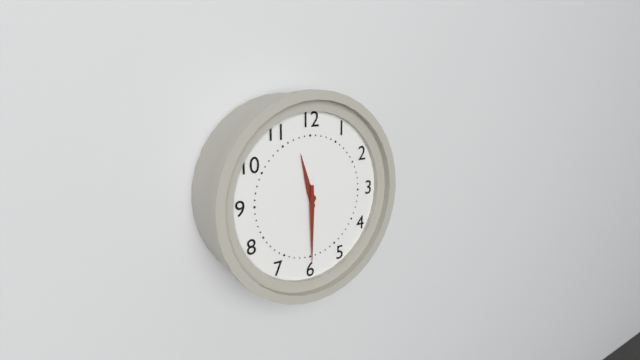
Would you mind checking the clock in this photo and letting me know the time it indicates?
11:30
